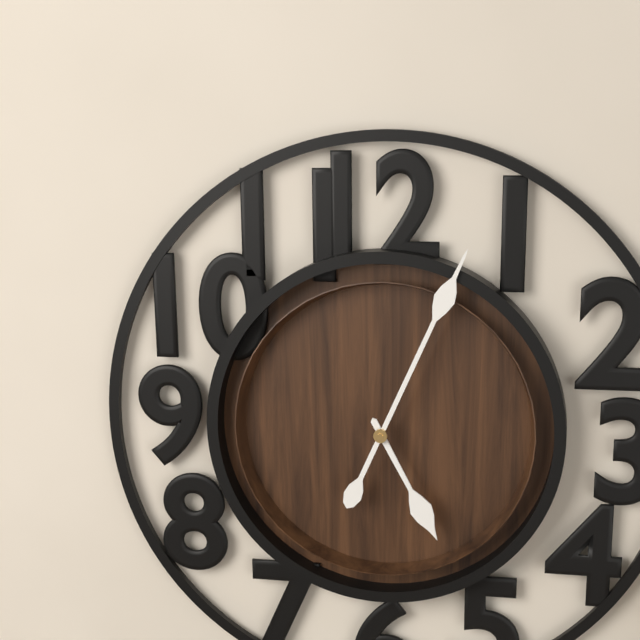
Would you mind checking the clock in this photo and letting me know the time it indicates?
5:04
